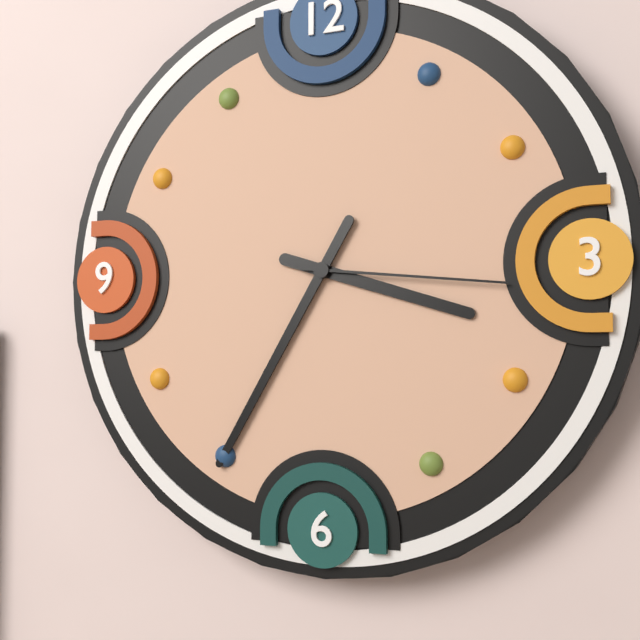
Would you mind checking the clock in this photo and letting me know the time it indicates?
3:35:16
